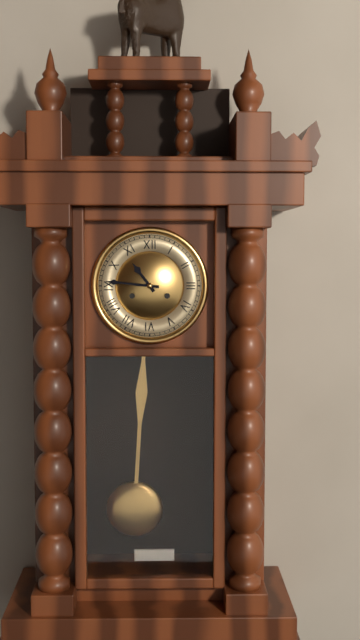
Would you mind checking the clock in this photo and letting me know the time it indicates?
10:46
